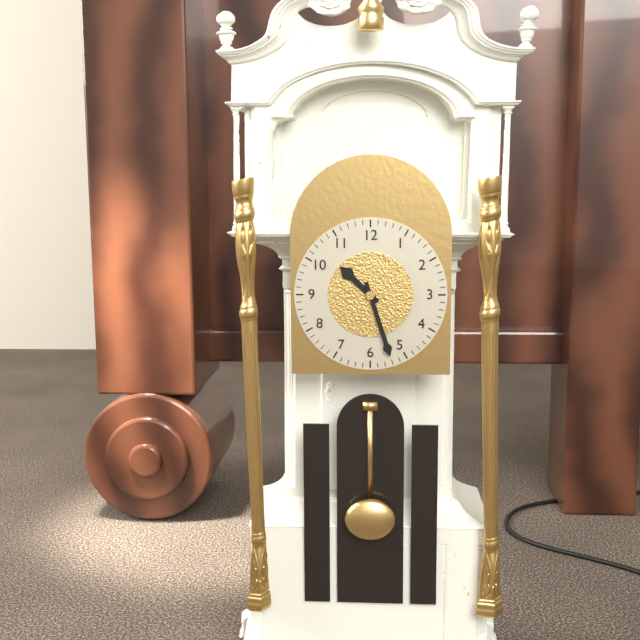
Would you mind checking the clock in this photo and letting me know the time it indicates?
10:27
